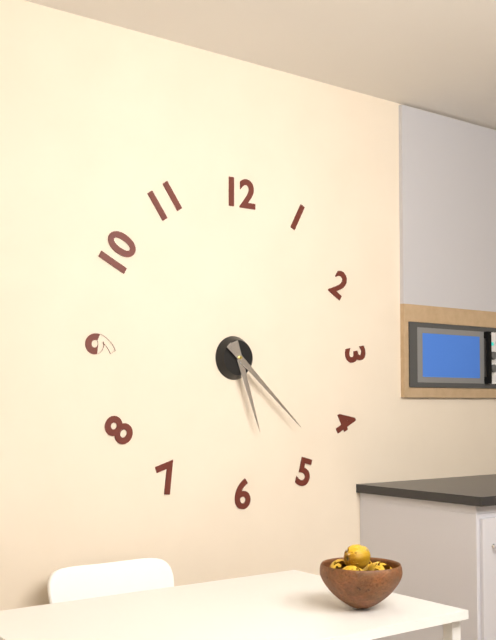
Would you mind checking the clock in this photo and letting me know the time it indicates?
5:22
